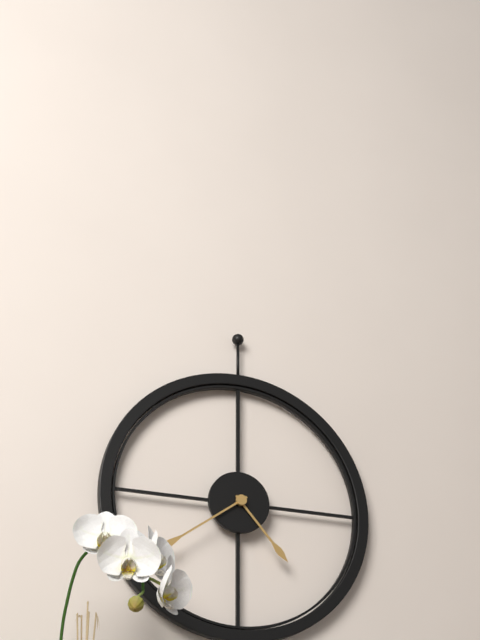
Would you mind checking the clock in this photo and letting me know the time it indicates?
4:39
